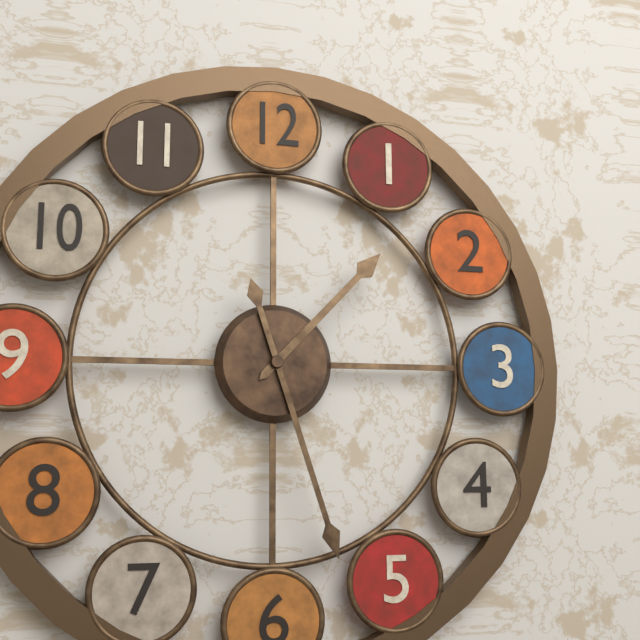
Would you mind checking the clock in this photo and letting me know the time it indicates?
1:27
